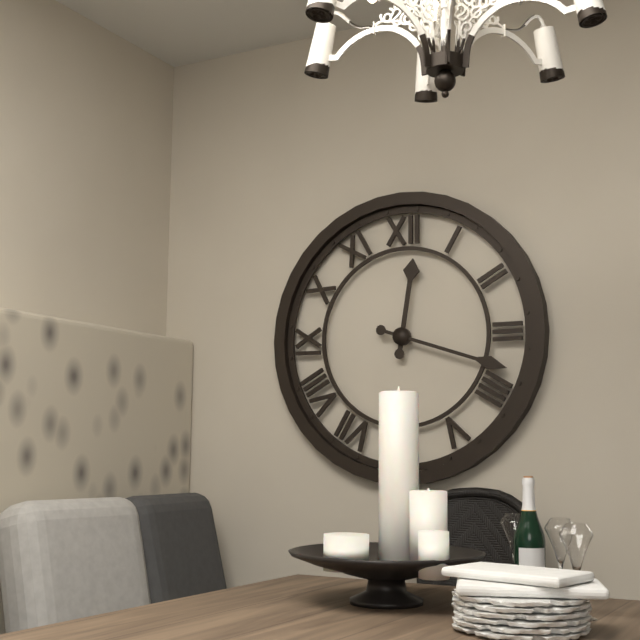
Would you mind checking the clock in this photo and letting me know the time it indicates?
12:18
